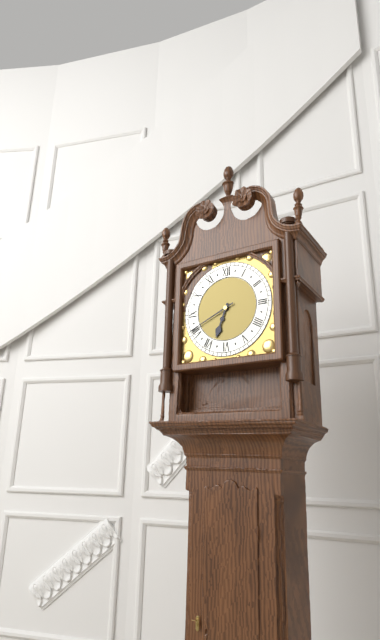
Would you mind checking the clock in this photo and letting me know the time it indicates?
6:41
